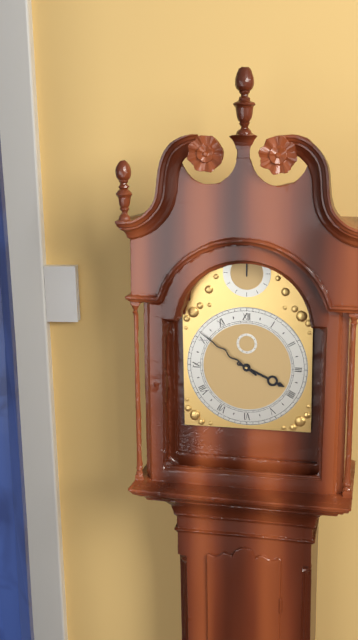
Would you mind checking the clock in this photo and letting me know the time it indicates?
3:51
